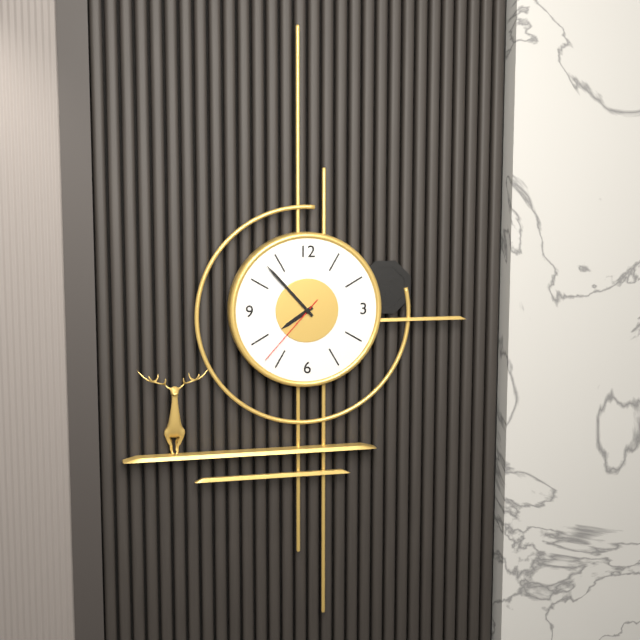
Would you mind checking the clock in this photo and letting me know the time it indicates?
7:53:37
